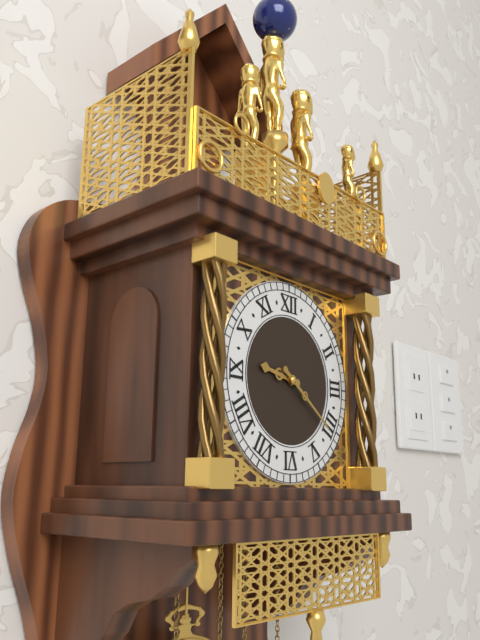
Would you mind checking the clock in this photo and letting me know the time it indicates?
9:21
